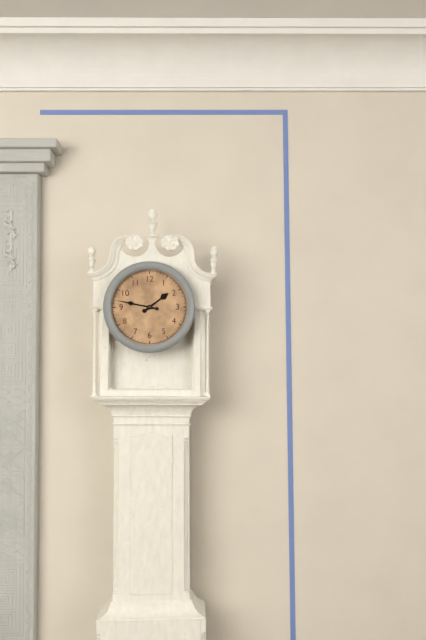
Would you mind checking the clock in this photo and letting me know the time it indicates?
1:47
